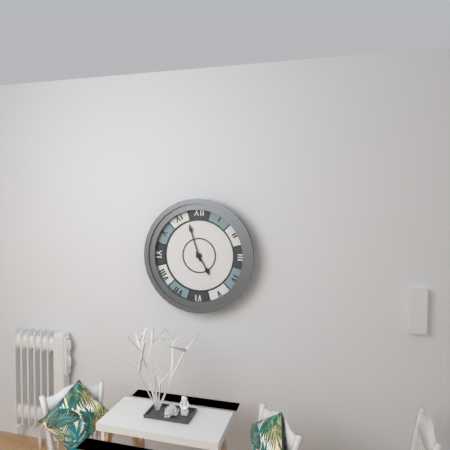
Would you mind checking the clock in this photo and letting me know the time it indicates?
4:57
